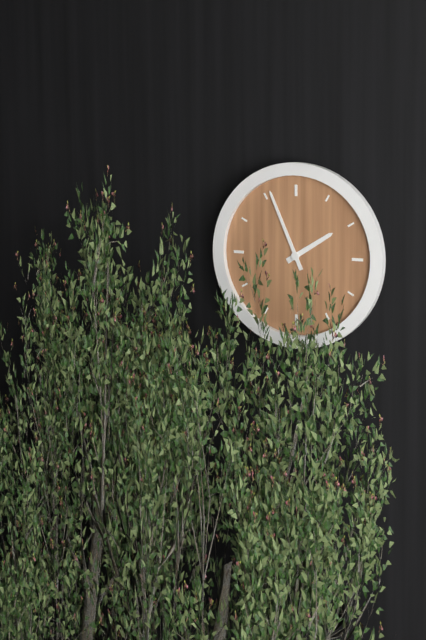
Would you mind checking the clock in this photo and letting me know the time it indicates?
1:56
